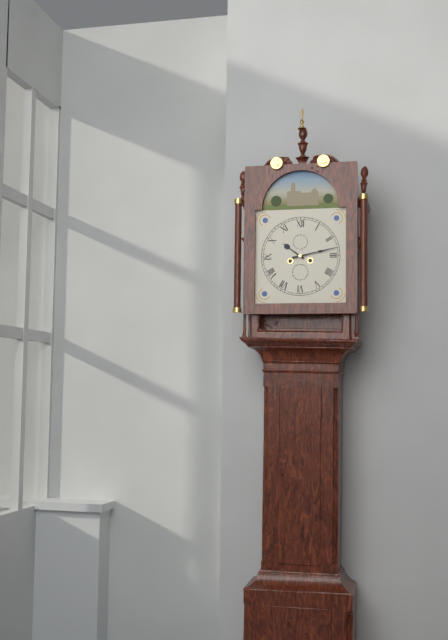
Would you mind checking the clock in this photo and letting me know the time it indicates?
10:13
